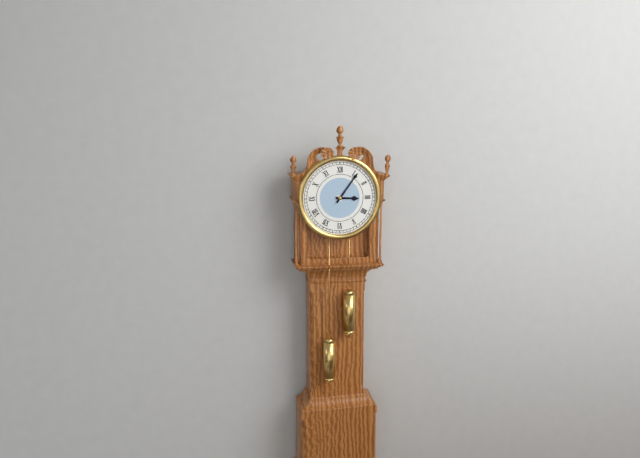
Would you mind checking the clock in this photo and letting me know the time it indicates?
3:06
